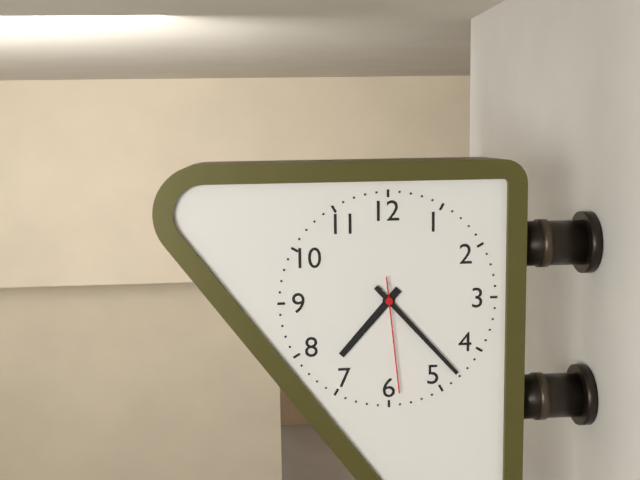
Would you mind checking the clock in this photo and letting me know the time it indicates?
7:23:29
